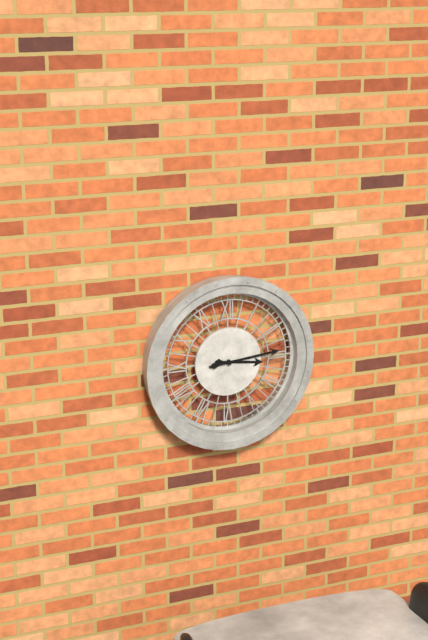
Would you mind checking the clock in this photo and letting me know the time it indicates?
3:14
